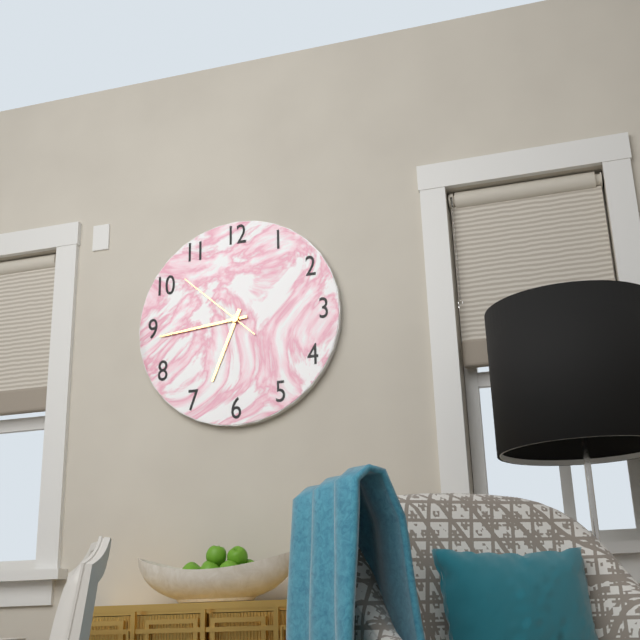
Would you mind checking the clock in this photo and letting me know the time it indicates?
6:44:52
